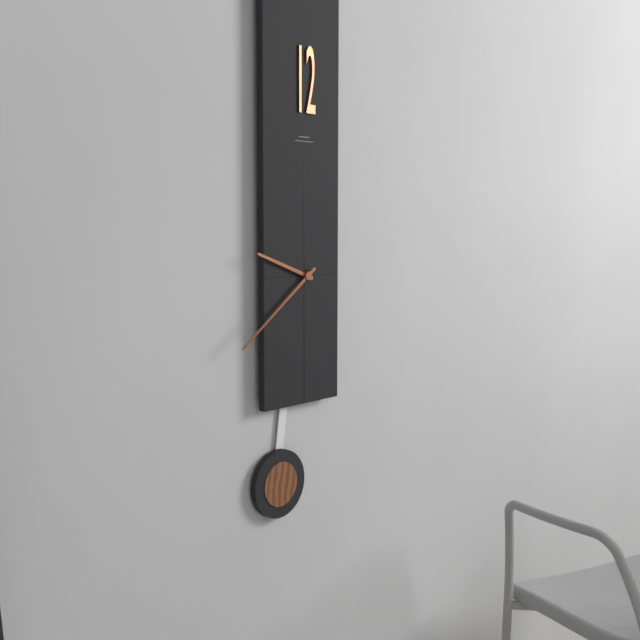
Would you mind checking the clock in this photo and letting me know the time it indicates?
9:39
